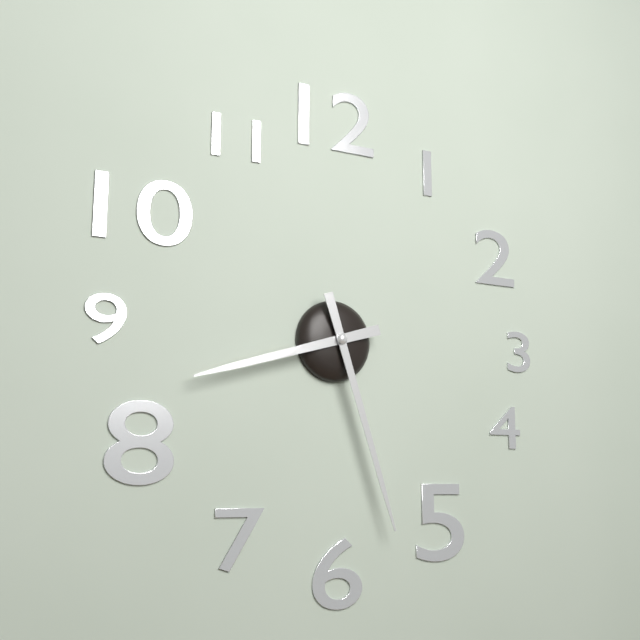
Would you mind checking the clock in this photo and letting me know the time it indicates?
8:27
